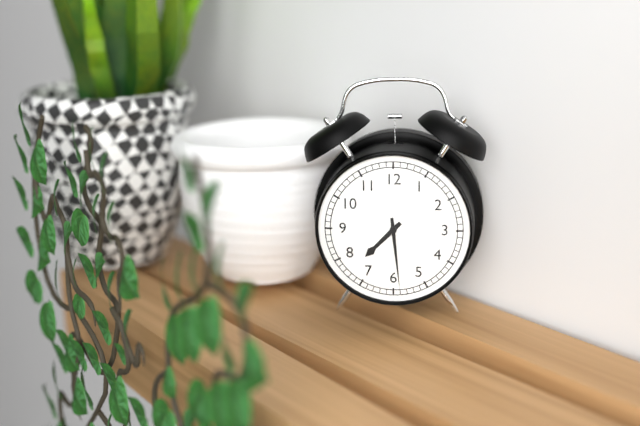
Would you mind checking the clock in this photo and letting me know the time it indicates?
7:29
